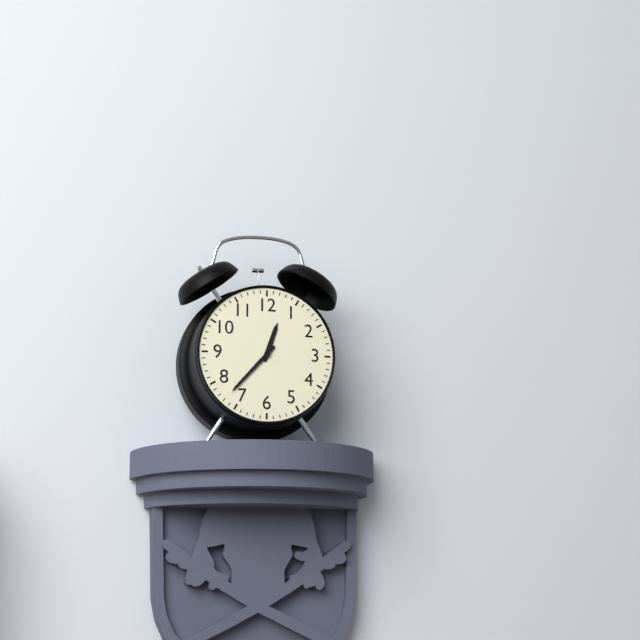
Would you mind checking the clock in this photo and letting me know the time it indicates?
12:37
